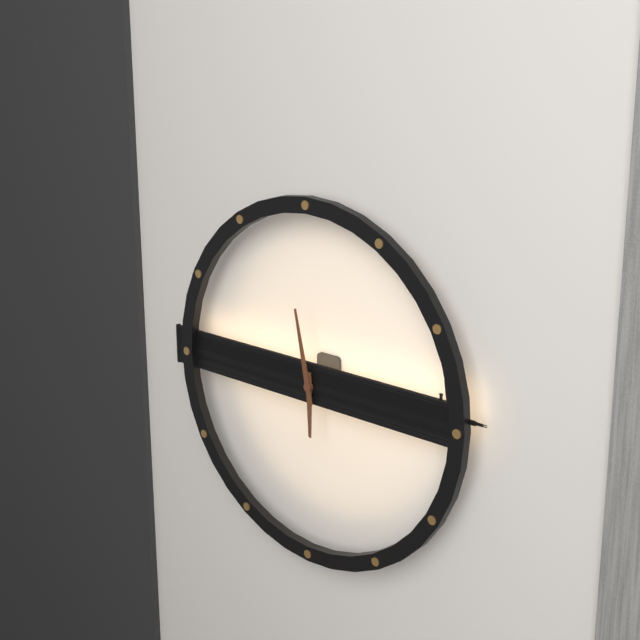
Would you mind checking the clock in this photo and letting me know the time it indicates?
5:58
